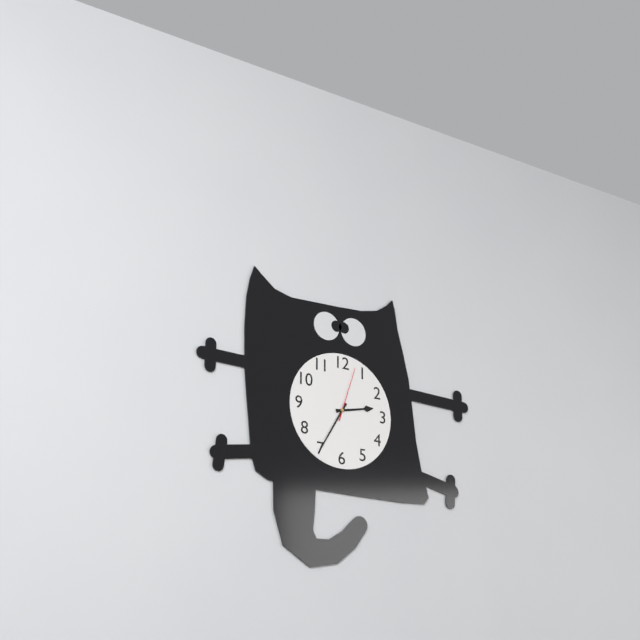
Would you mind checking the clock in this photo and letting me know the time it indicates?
2:35:03
